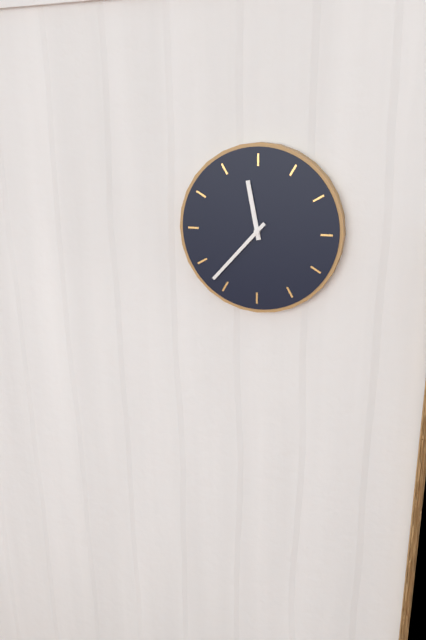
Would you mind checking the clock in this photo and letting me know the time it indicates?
11:37
